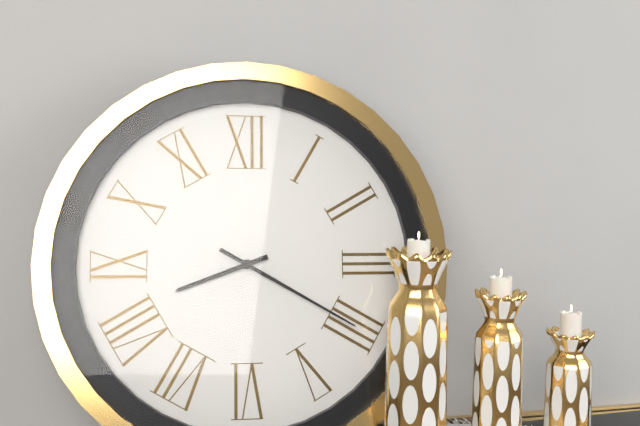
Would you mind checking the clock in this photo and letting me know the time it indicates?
8:20
